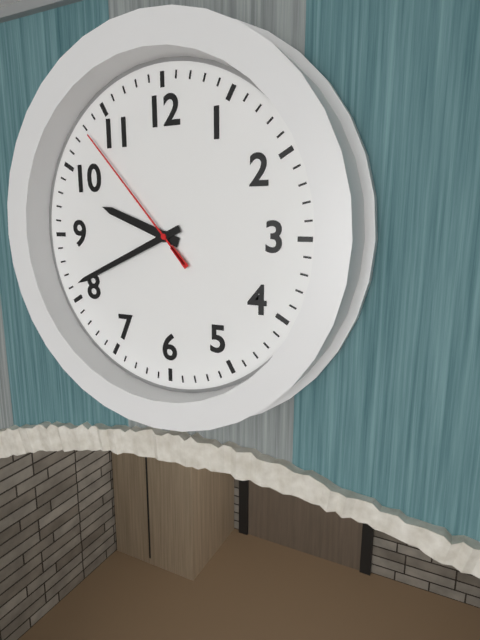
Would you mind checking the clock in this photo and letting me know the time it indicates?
9:41:53
